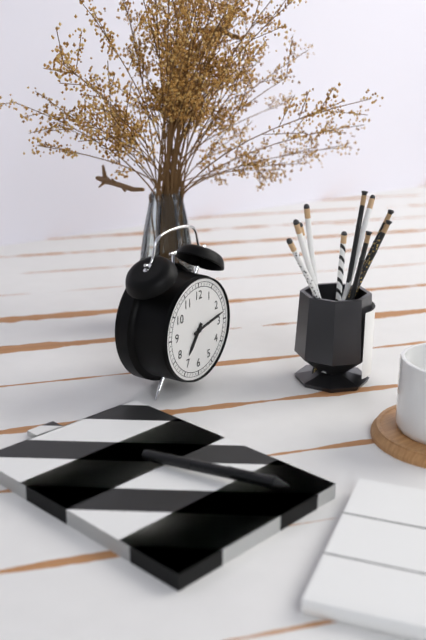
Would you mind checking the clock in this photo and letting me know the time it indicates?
7:13
